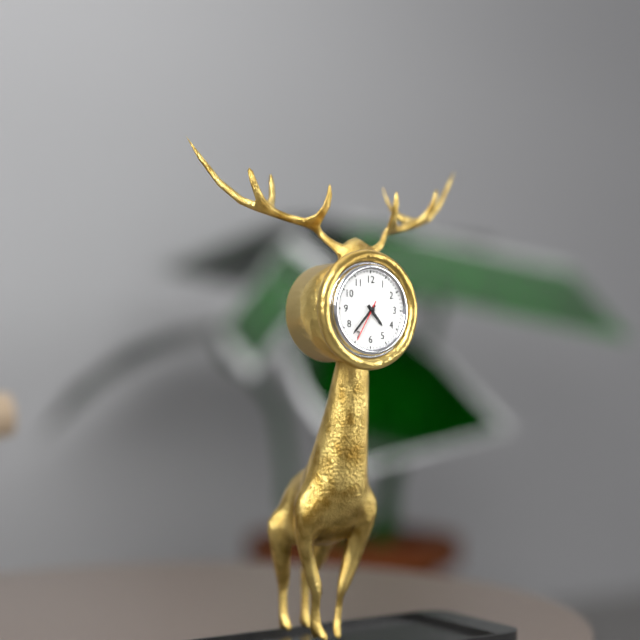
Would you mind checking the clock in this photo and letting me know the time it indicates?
4:37
